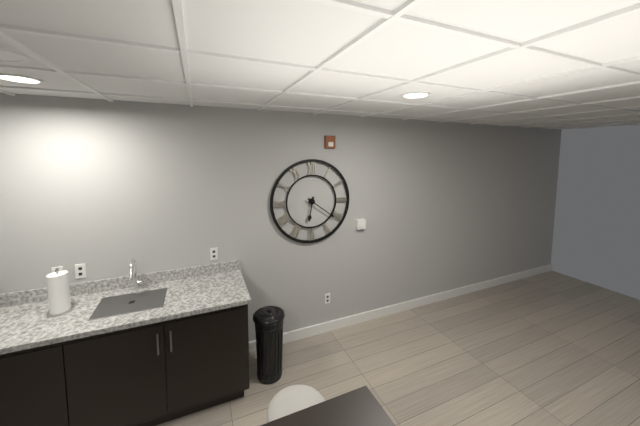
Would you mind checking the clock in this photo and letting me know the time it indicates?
6:21
